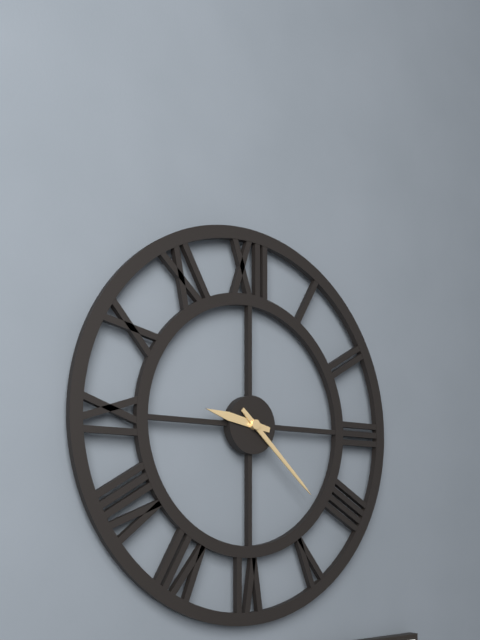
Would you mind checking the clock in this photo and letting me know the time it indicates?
9:22
